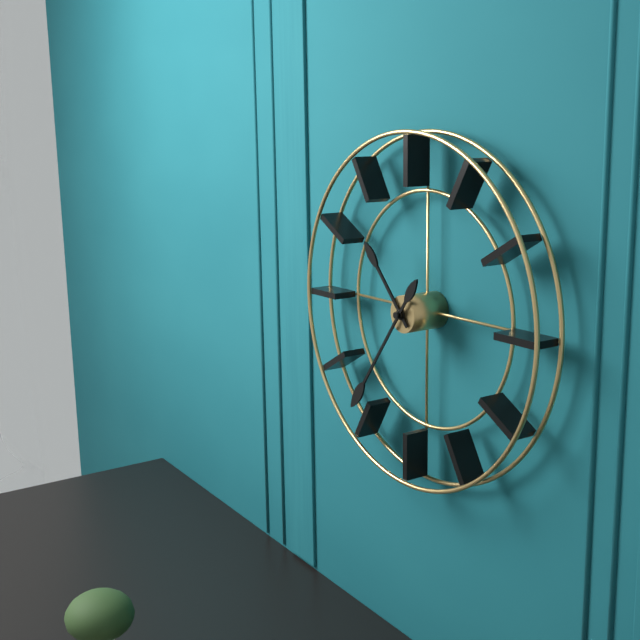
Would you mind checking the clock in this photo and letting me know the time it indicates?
10:36
